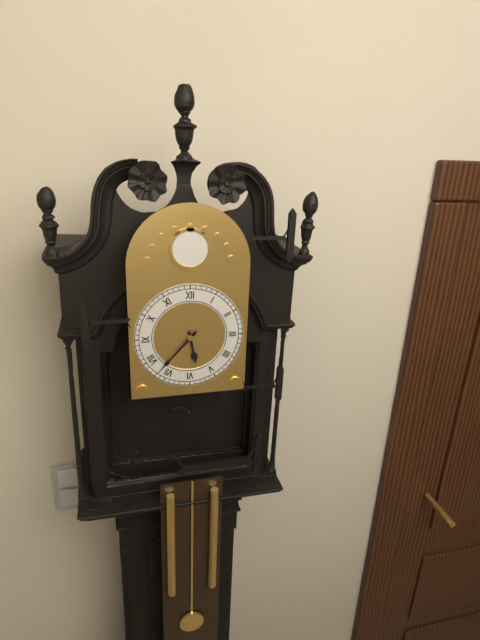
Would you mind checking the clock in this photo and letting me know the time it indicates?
5:37
